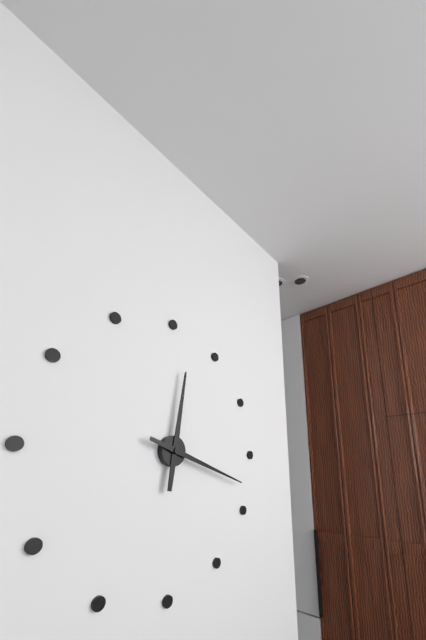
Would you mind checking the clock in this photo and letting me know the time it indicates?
12:18
